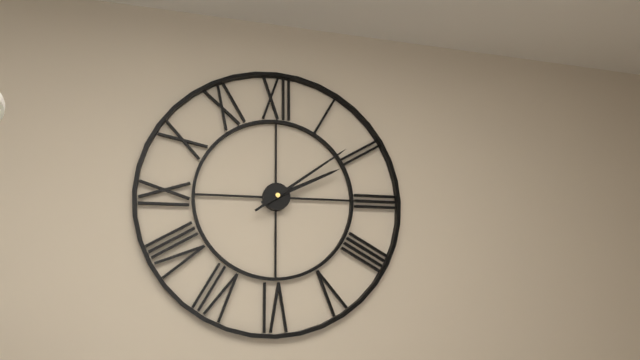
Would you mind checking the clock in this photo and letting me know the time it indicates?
2:09
